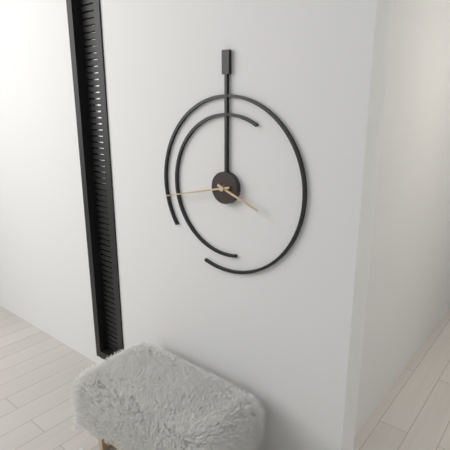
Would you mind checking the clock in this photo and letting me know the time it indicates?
3:43
